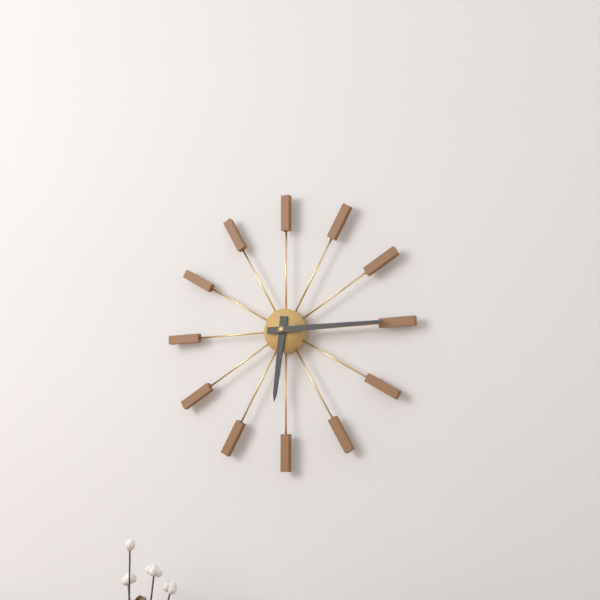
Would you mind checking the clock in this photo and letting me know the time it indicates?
6:15
